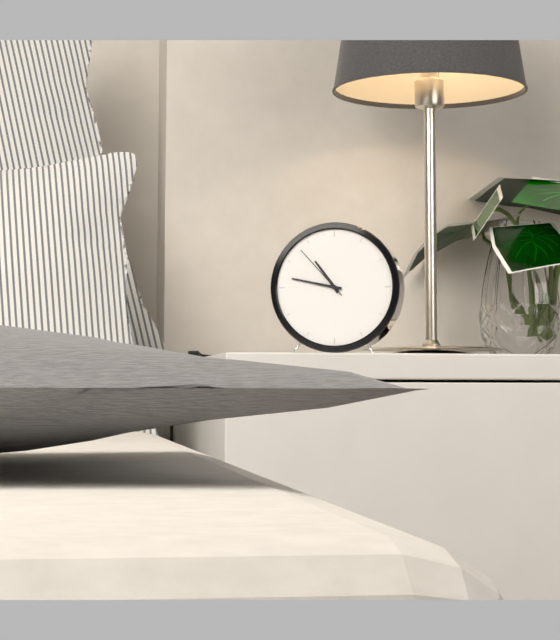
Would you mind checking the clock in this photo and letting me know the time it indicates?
10:47:53
